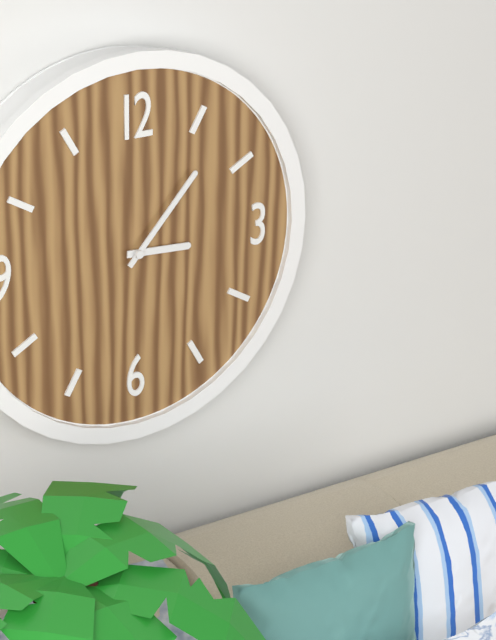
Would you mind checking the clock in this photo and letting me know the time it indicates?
3:07
